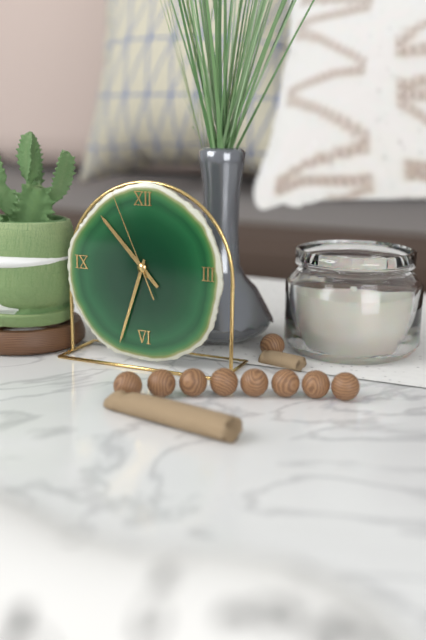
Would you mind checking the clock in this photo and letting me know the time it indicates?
10:33:56
